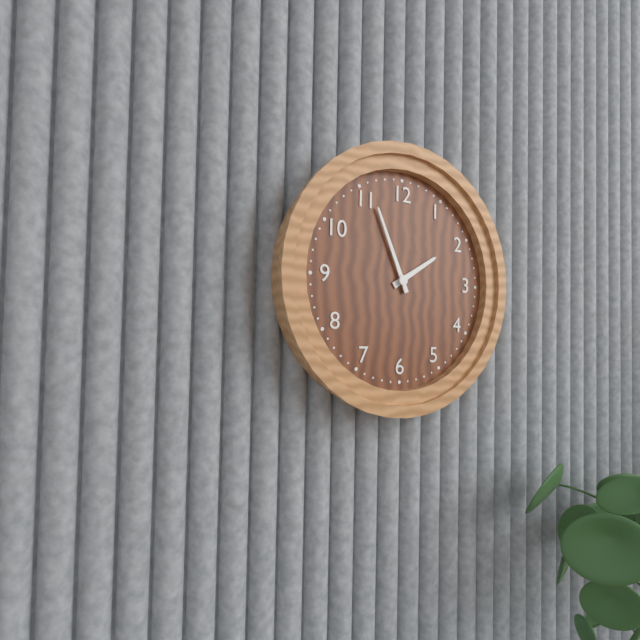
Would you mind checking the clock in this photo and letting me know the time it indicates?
1:56
